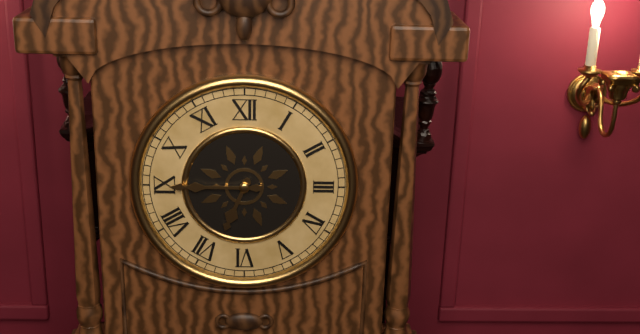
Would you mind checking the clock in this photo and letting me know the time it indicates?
6:45
